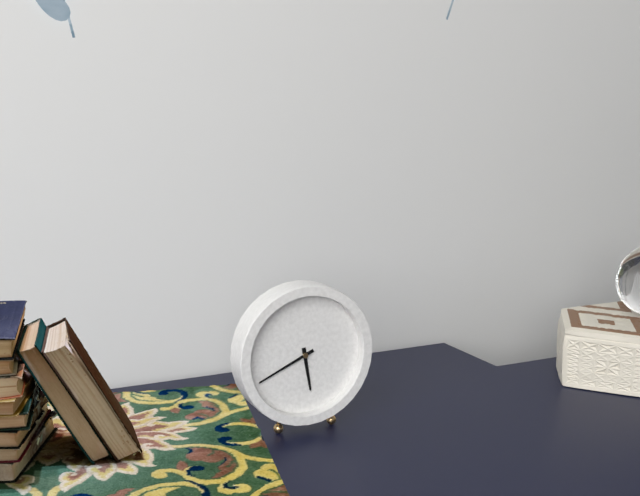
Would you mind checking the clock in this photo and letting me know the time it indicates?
5:41
